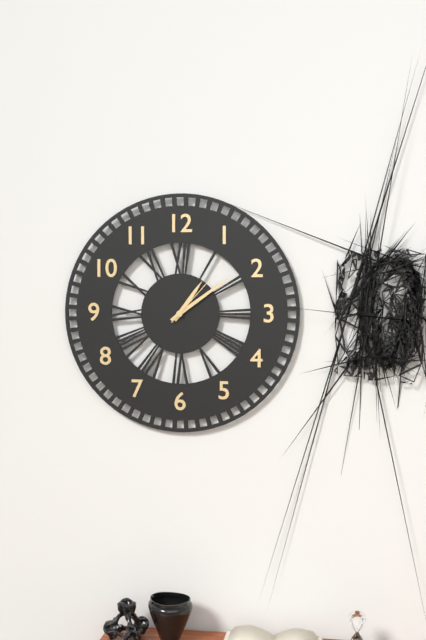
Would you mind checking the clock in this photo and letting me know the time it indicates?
1:09:07
